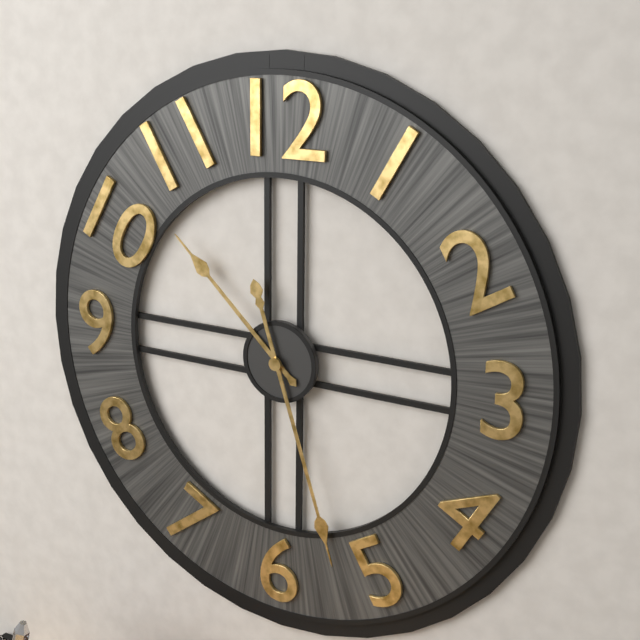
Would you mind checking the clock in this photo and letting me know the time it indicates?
10:27
